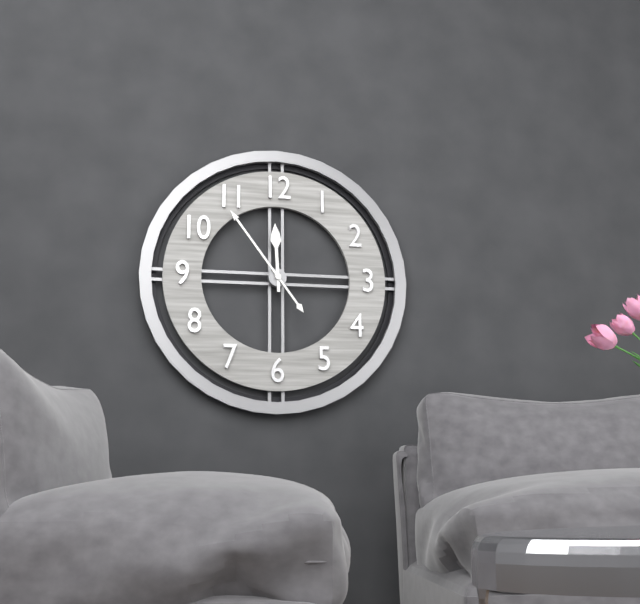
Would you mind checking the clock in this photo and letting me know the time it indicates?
11:54
